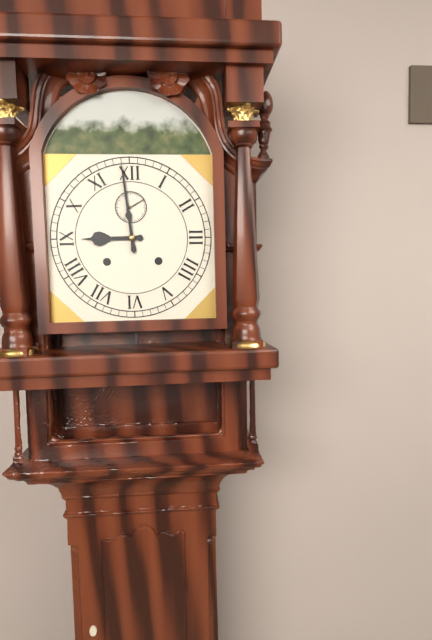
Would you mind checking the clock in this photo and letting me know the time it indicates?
8:59
